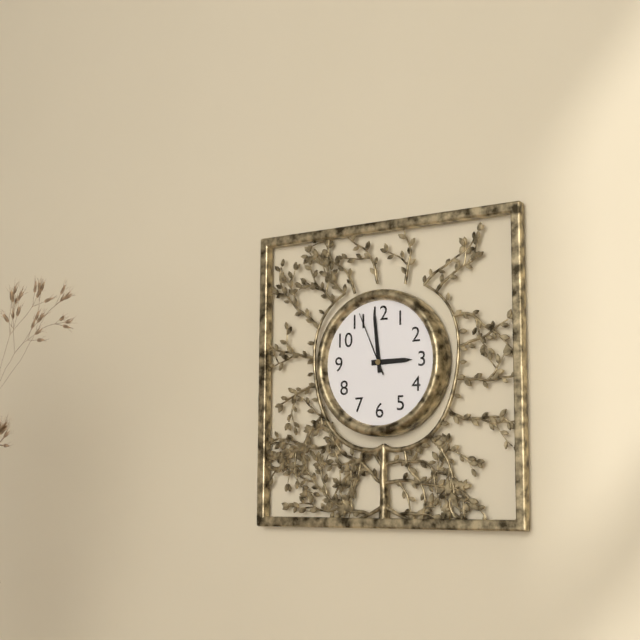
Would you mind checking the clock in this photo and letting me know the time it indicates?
2:59:56
